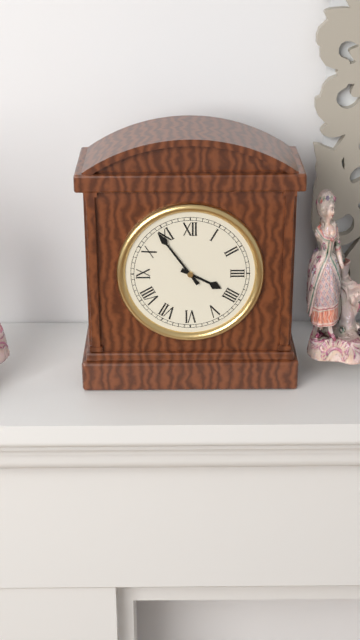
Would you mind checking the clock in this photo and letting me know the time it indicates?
3:54
